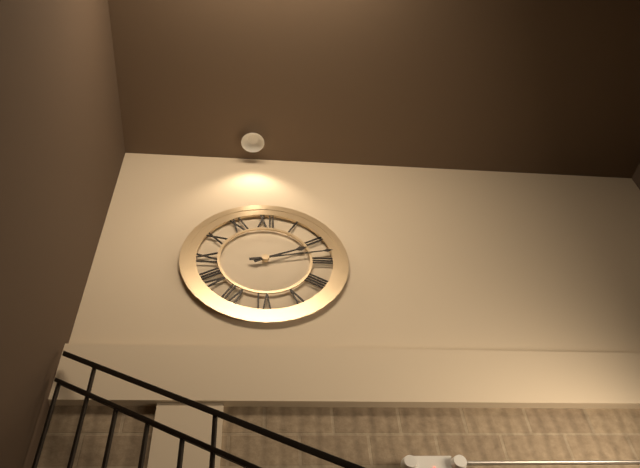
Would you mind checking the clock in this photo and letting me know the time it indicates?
2:13
